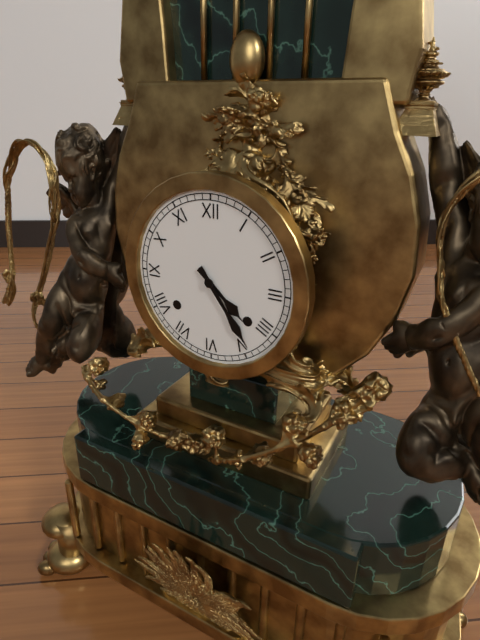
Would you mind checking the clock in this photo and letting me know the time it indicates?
4:24
